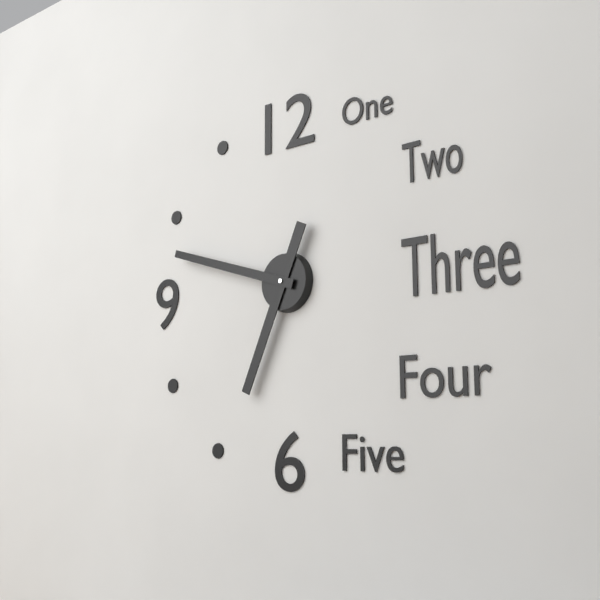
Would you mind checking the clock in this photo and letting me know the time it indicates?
6:48
